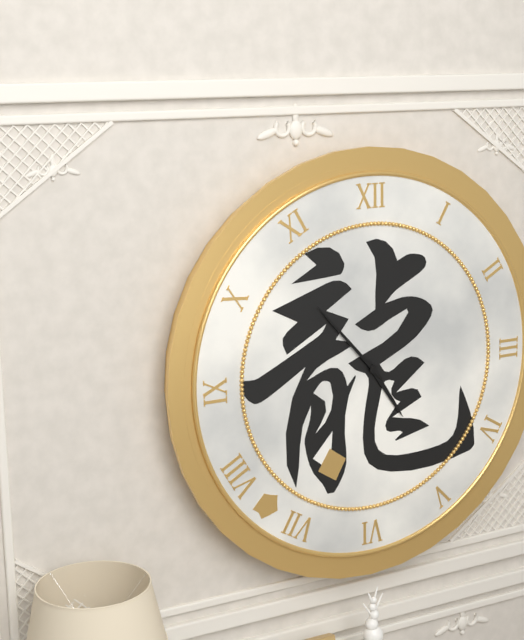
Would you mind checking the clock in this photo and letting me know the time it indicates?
4:53
